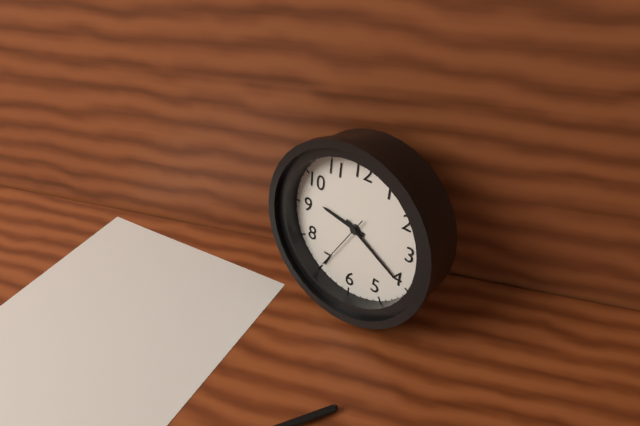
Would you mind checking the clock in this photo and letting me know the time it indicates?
9:20:35
